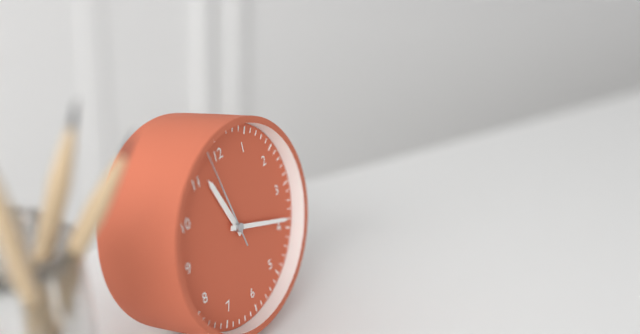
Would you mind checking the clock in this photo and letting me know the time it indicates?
11:19:58
